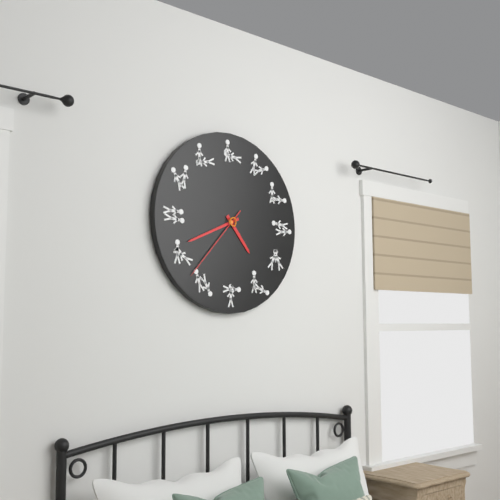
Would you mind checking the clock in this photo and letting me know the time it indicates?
4:41:37
